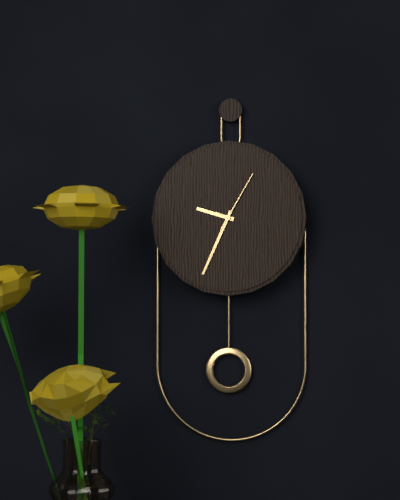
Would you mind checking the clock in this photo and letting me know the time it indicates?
9:34:05
